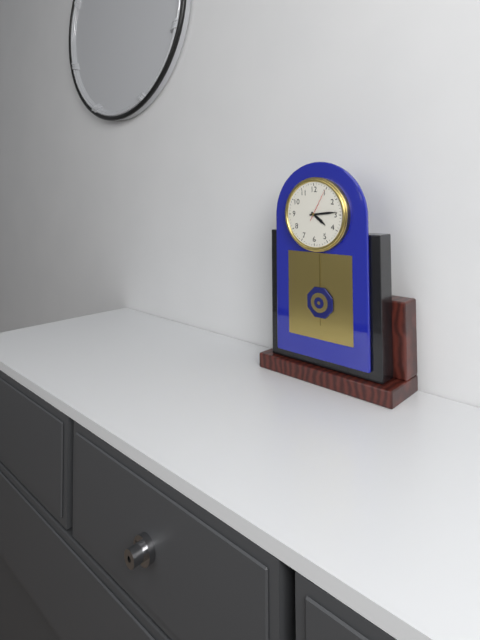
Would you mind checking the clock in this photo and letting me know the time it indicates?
4:14
